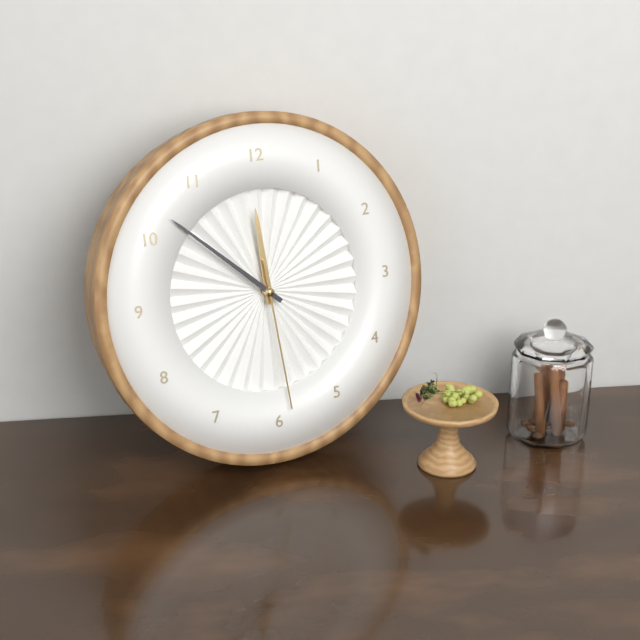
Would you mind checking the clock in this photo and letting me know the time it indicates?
11:52:29
